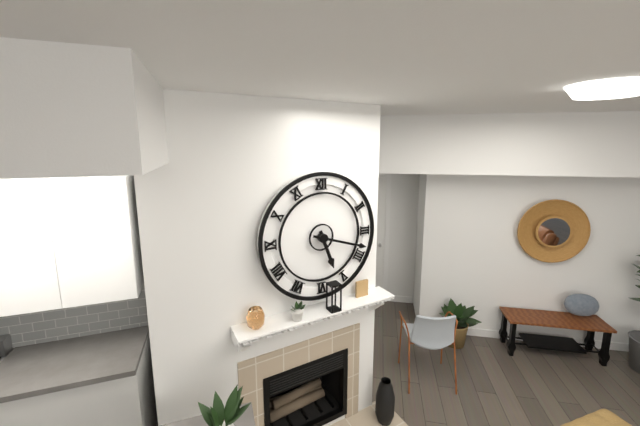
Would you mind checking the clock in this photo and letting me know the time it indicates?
5:18
